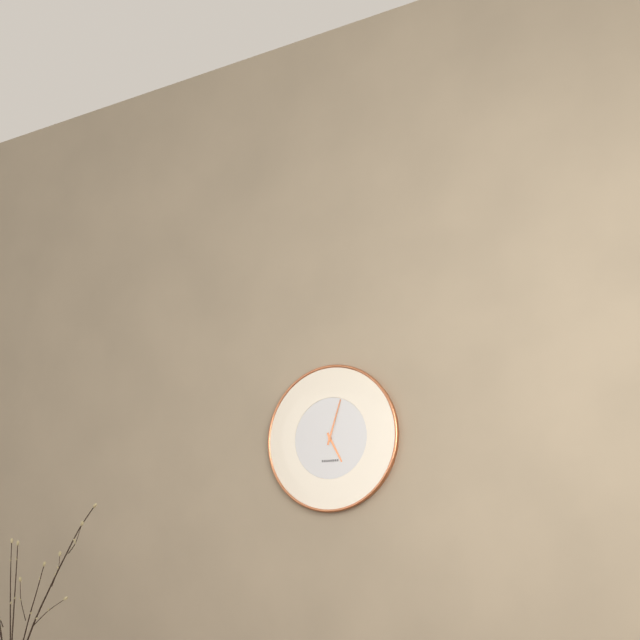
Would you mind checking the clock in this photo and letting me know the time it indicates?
5:03
